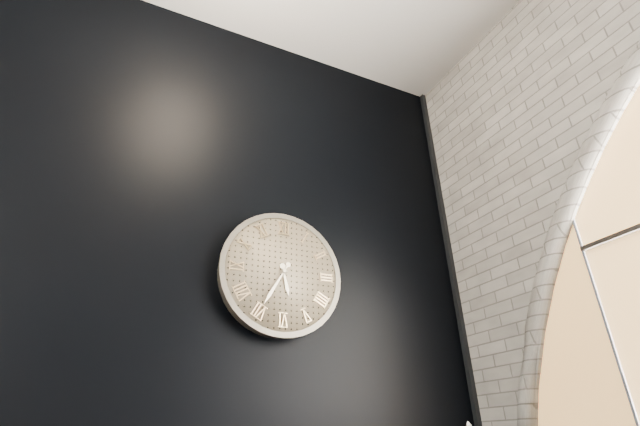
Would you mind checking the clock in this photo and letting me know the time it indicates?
5:35
